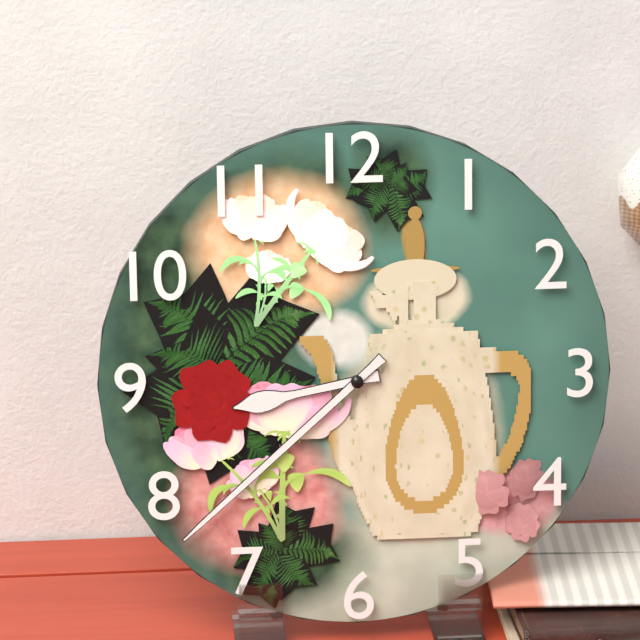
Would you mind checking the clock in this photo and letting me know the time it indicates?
8:38
